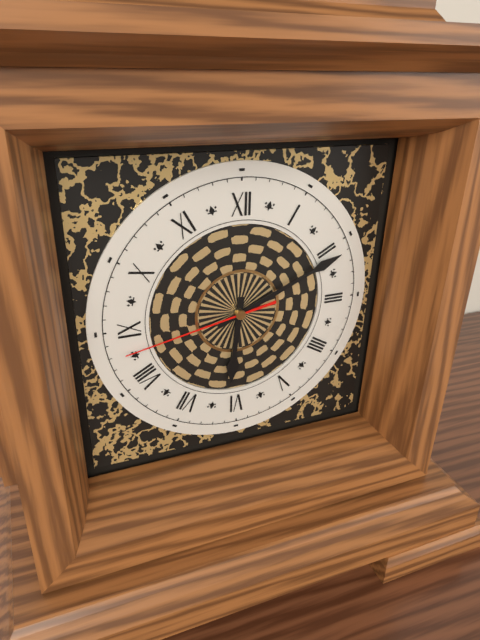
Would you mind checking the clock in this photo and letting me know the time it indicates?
6:11:43
